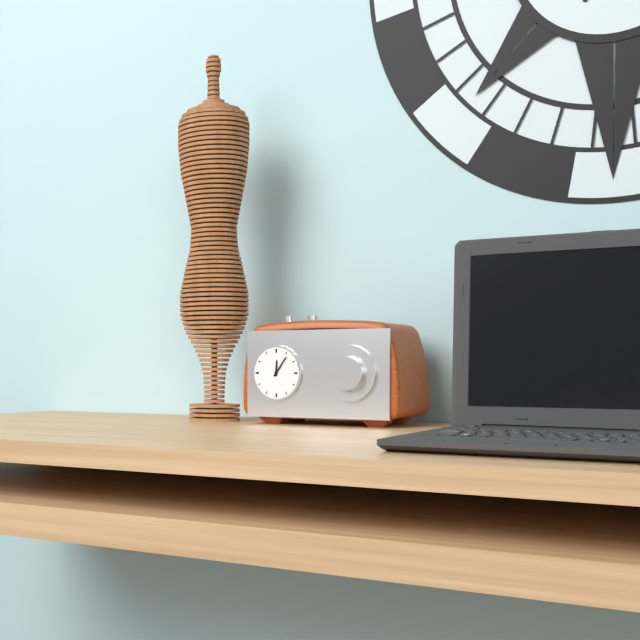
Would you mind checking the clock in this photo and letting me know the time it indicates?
12:06
